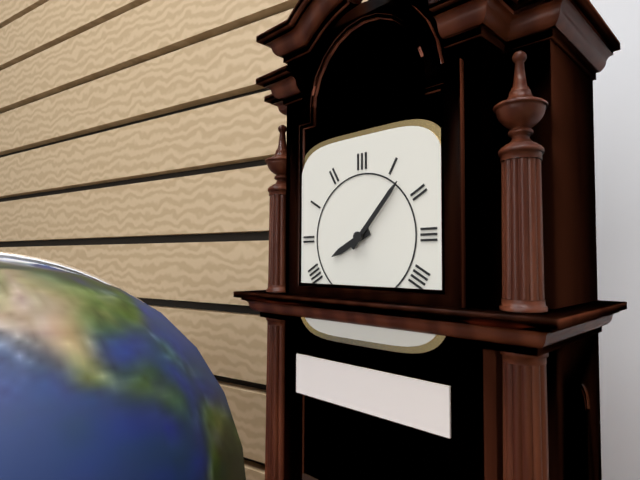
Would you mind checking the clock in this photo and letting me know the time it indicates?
8:07
